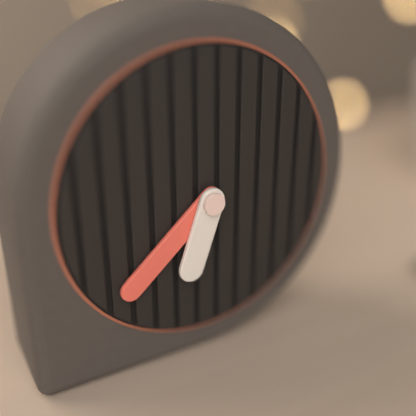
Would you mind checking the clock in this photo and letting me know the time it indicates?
6:38
